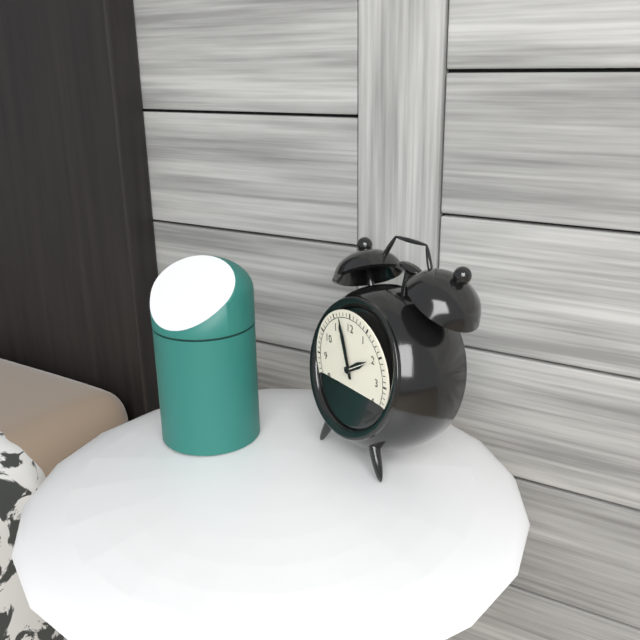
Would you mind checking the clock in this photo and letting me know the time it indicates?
1:57
